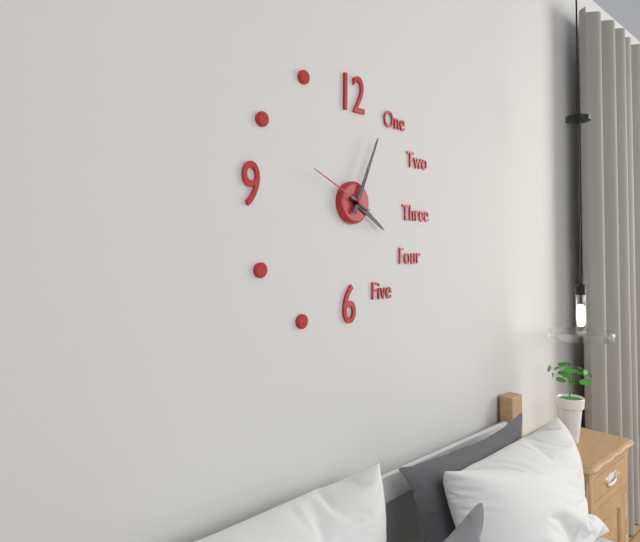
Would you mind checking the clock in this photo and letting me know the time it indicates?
4:04:49
